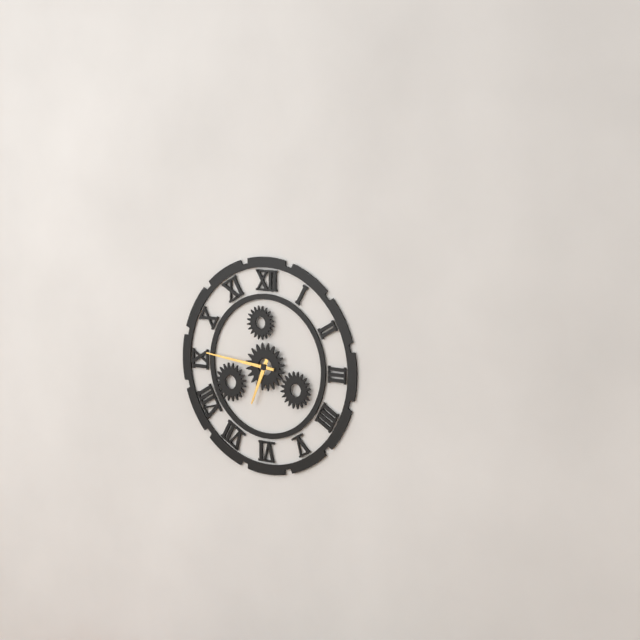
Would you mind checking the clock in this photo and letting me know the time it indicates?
6:46
